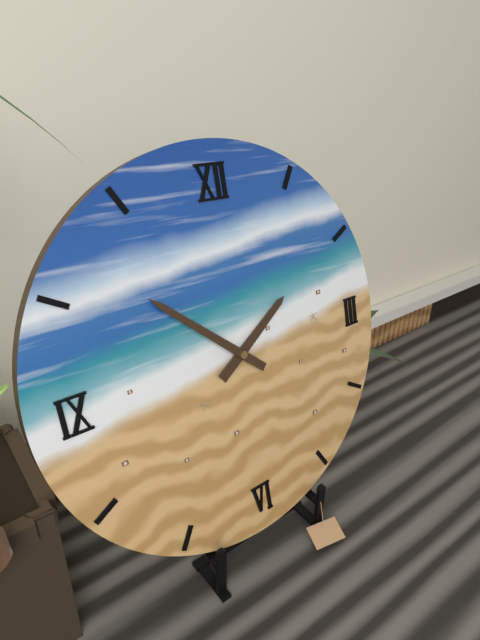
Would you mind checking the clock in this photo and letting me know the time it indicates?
1:52
